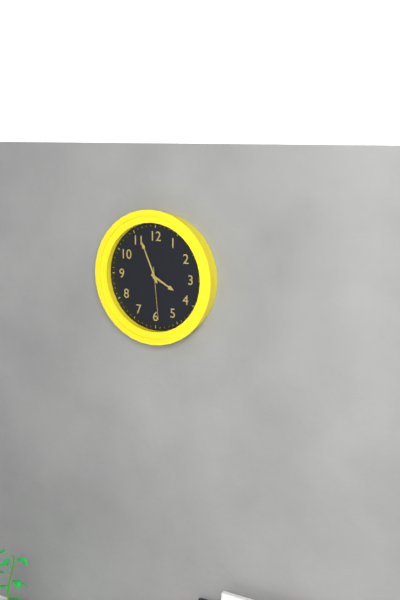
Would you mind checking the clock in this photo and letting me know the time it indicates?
3:56:29
